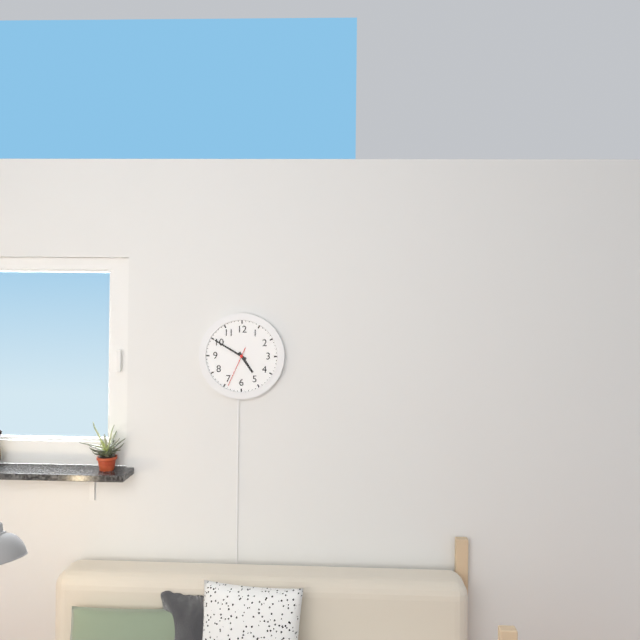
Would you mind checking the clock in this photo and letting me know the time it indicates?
4:50
